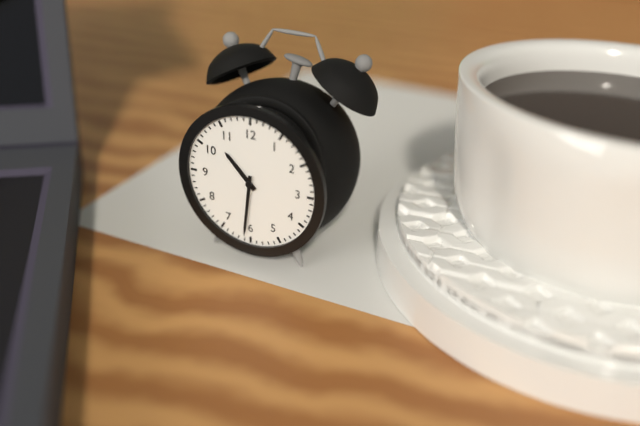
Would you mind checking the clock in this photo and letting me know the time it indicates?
10:31
